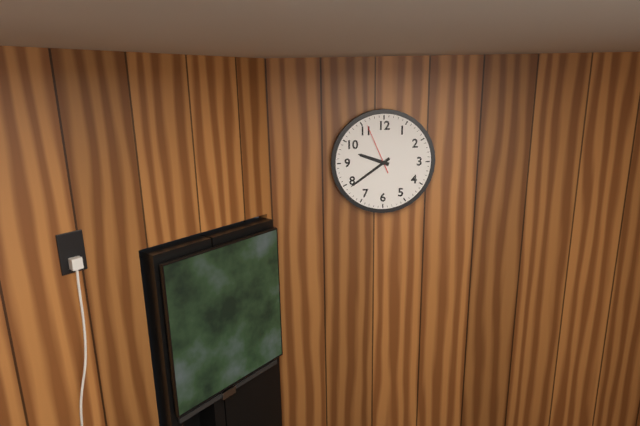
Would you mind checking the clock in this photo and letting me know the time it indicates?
9:39:56
